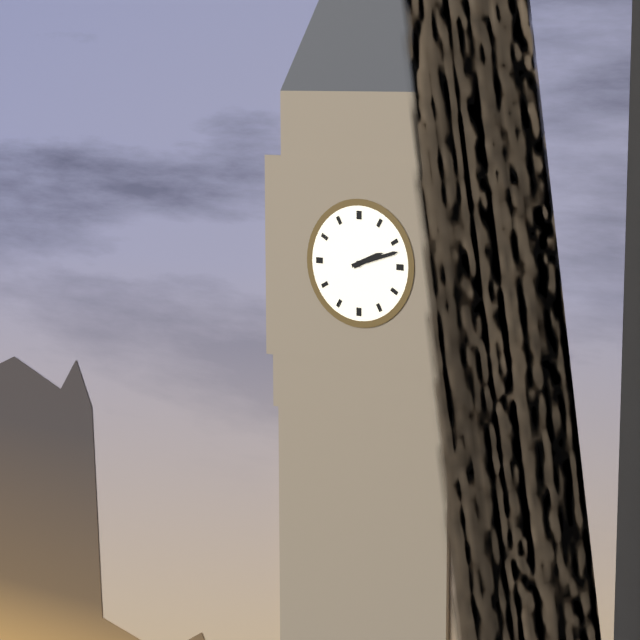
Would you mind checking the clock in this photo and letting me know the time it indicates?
2:12
